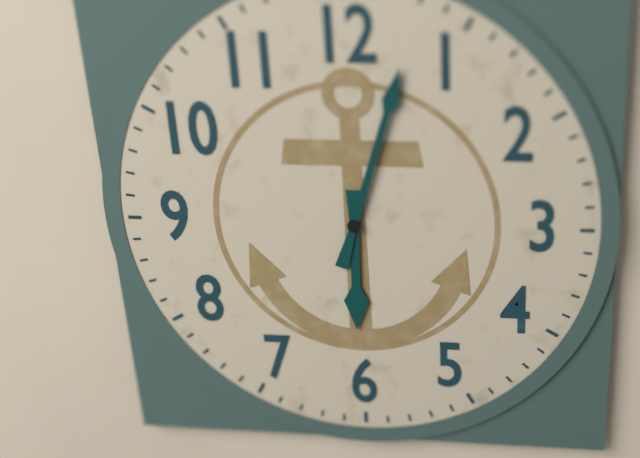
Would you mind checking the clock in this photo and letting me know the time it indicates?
6:03
